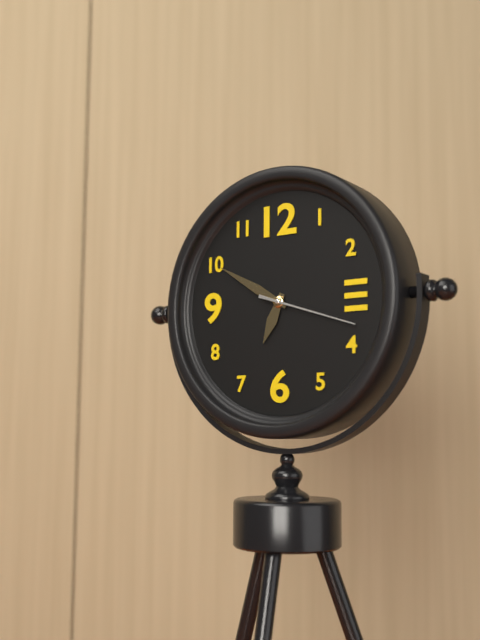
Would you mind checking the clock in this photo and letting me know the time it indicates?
6:50:18
